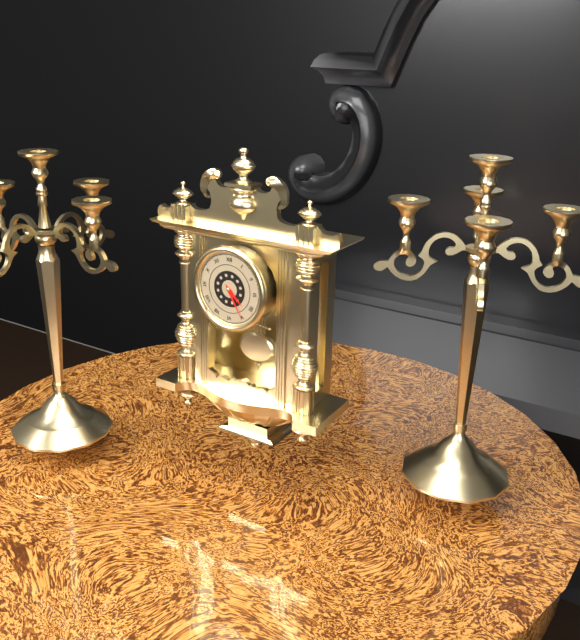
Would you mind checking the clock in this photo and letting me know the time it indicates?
4:25
